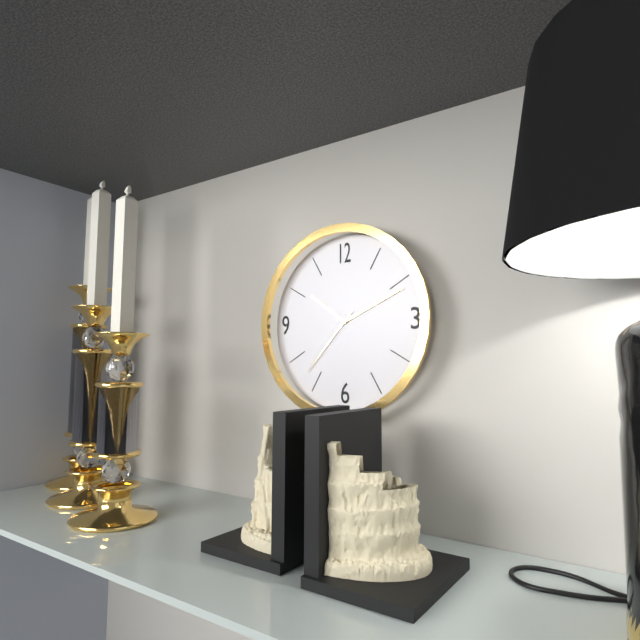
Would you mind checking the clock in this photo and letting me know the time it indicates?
10:11:37
